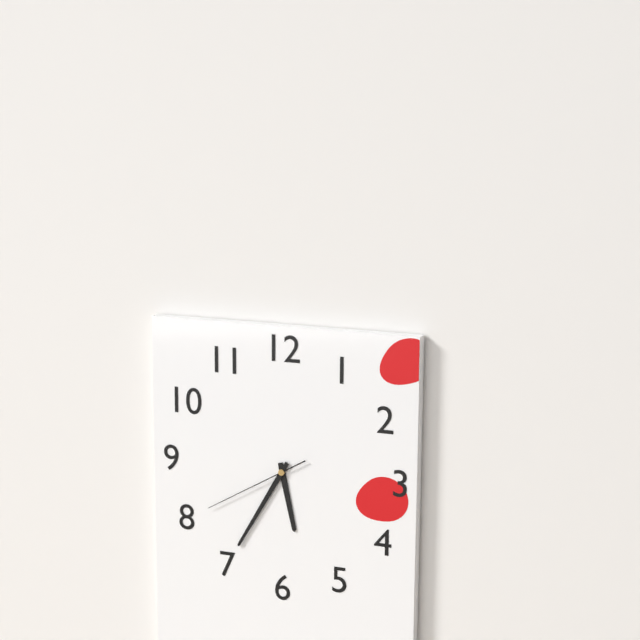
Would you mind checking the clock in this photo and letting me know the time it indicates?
5:35:40
